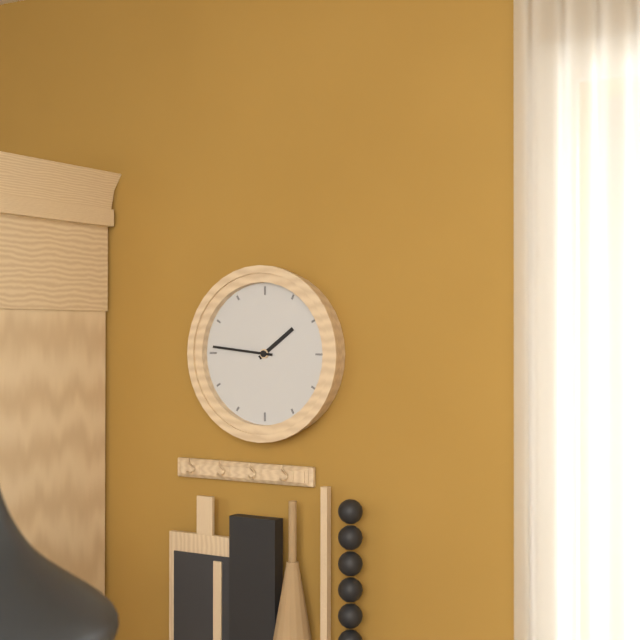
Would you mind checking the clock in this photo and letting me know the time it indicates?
1:46
